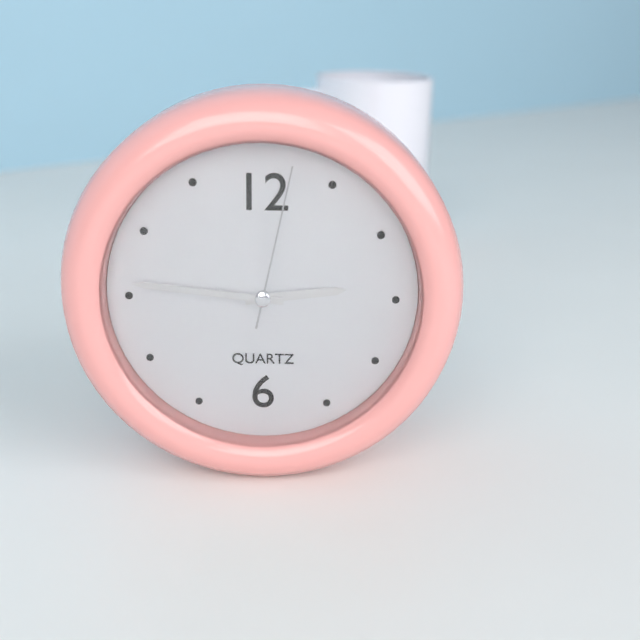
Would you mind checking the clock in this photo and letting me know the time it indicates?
2:46:02
